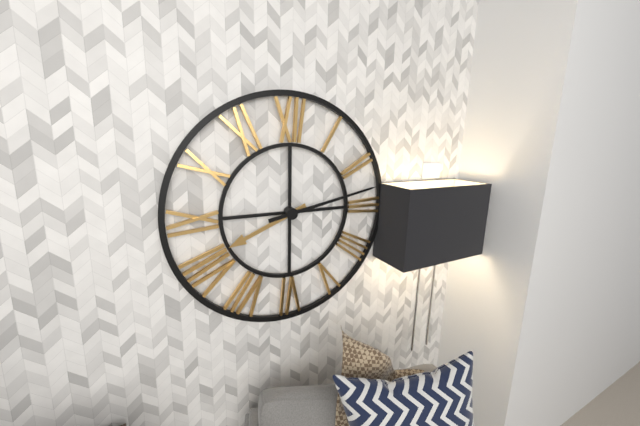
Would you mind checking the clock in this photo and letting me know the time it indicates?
8:13
